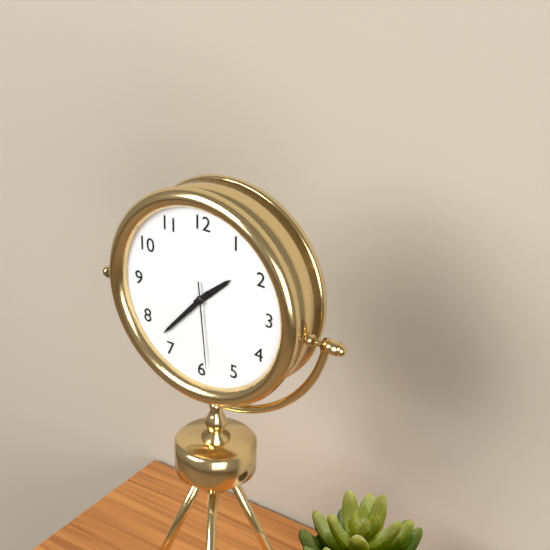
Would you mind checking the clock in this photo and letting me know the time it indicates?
1:37:29
